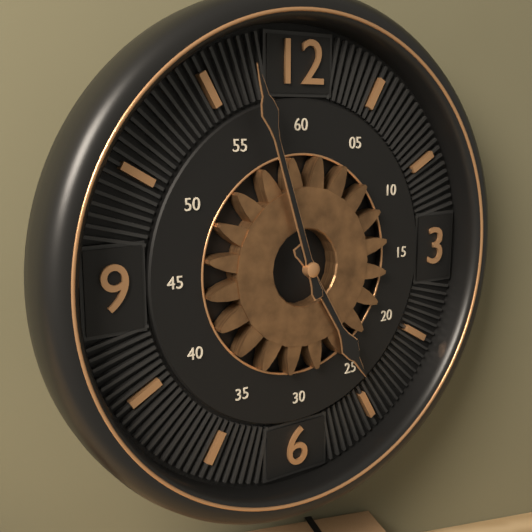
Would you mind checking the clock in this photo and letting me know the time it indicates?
4:57
